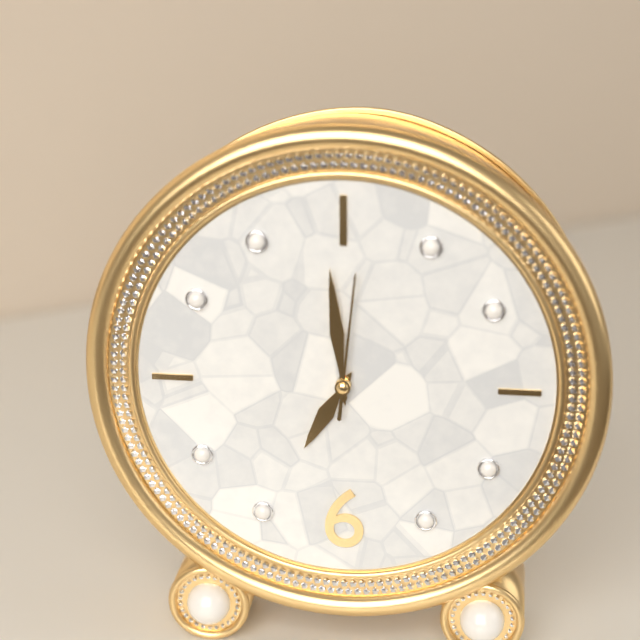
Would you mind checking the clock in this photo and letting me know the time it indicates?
6:59:01
